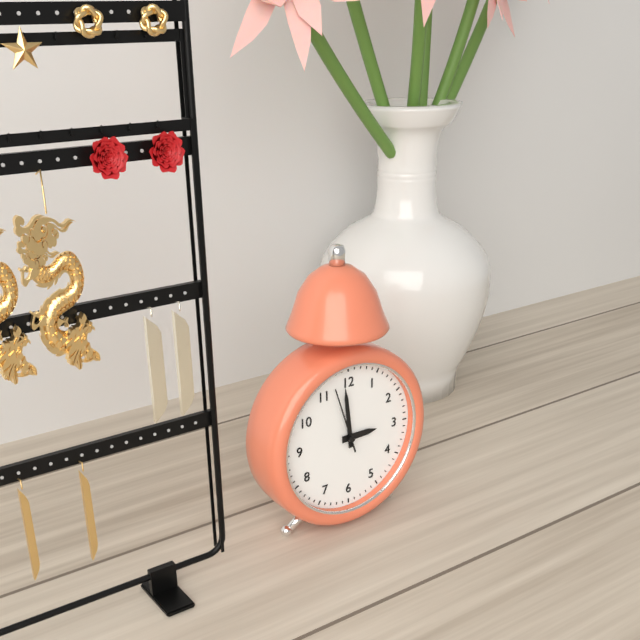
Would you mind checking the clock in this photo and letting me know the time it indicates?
2:59:57
